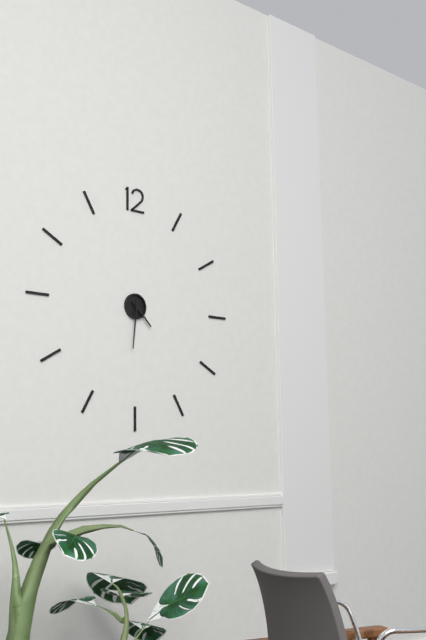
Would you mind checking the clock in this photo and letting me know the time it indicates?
4:31
